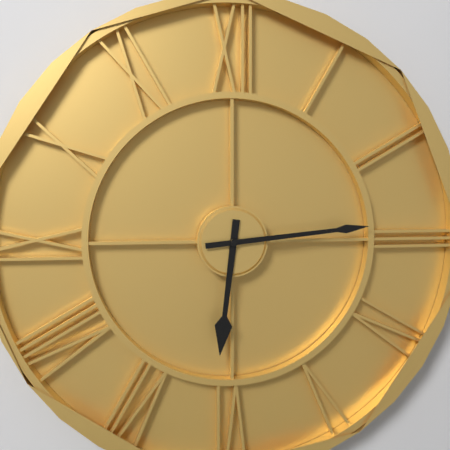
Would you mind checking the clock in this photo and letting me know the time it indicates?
6:14
